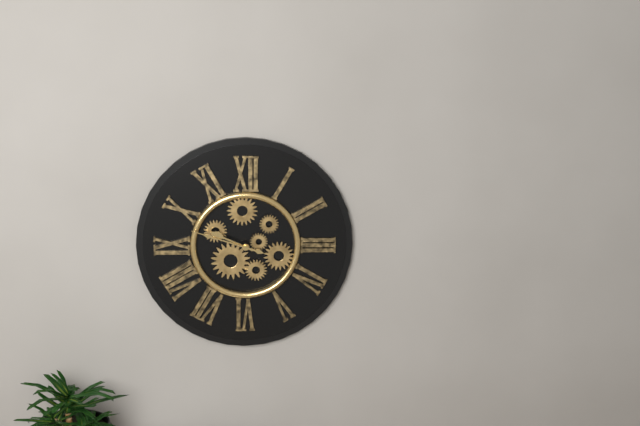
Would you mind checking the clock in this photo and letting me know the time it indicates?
9:48
